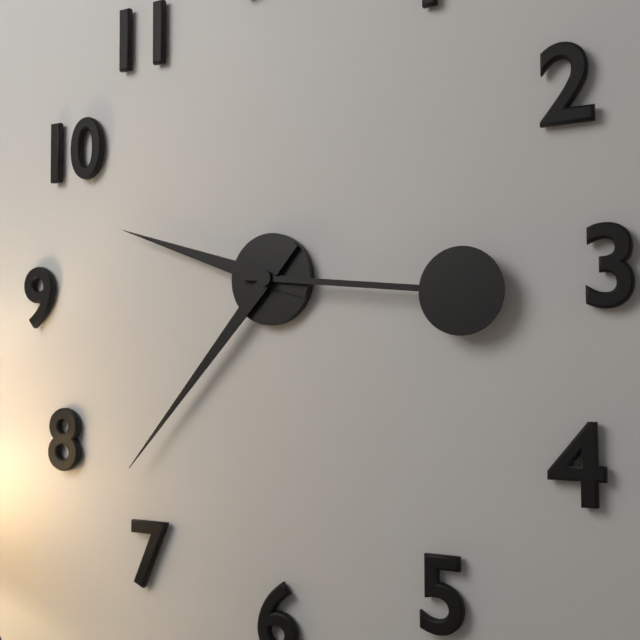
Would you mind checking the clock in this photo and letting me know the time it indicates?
9:37:16
